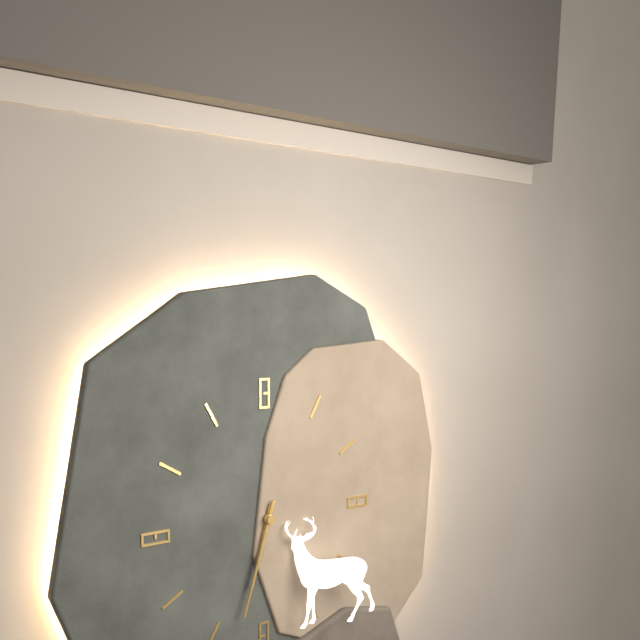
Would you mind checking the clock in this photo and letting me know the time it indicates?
6:33
